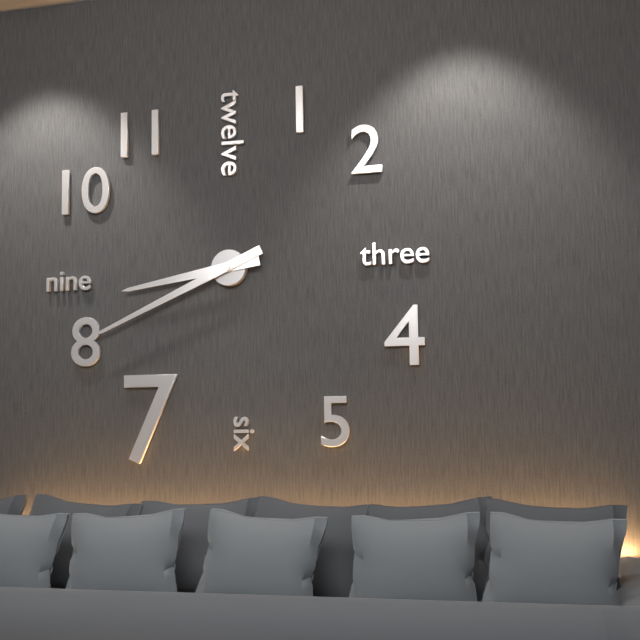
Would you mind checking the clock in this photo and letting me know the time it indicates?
8:41
